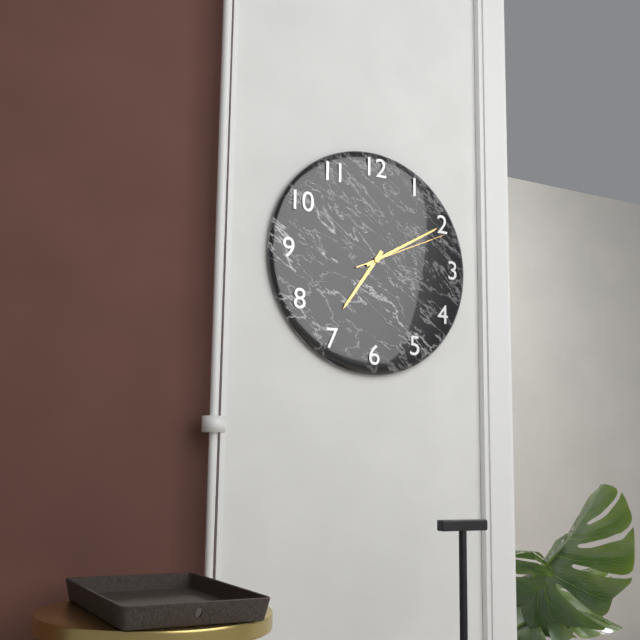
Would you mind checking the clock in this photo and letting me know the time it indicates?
7:10:11
